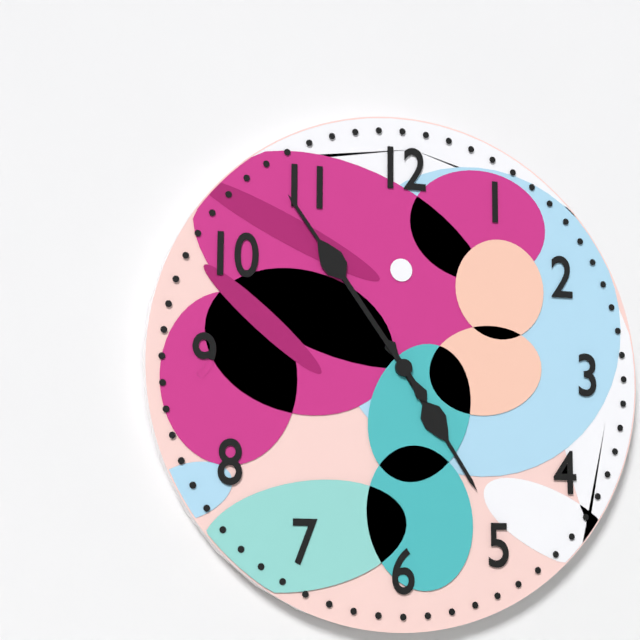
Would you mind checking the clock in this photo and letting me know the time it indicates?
4:54
